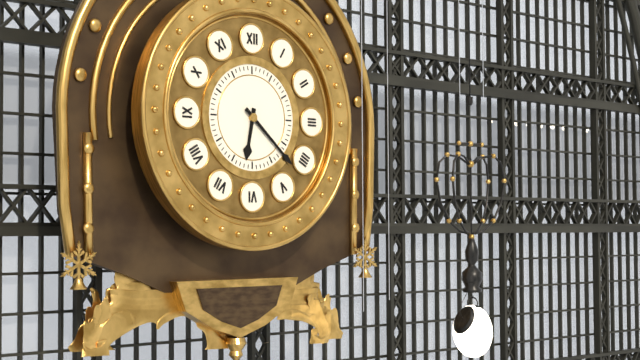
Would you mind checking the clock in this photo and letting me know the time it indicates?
6:22
